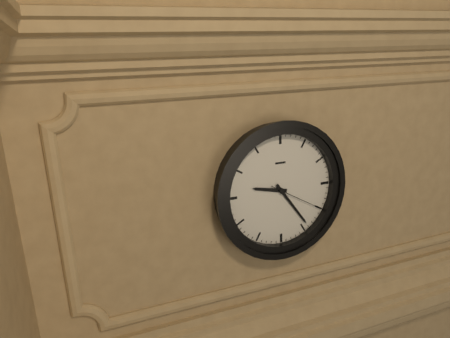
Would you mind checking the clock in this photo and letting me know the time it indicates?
9:24:20
